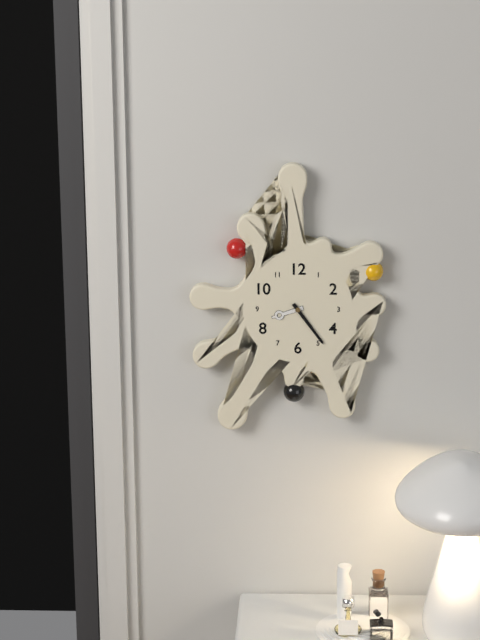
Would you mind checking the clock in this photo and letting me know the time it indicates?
8:24
